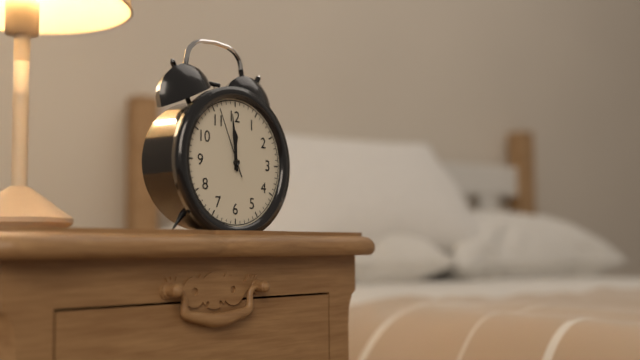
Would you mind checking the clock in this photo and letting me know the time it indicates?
11:59:56
